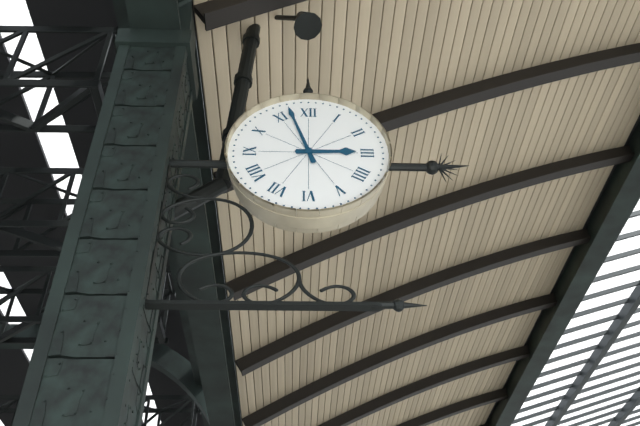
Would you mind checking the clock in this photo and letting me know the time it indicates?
2:57
